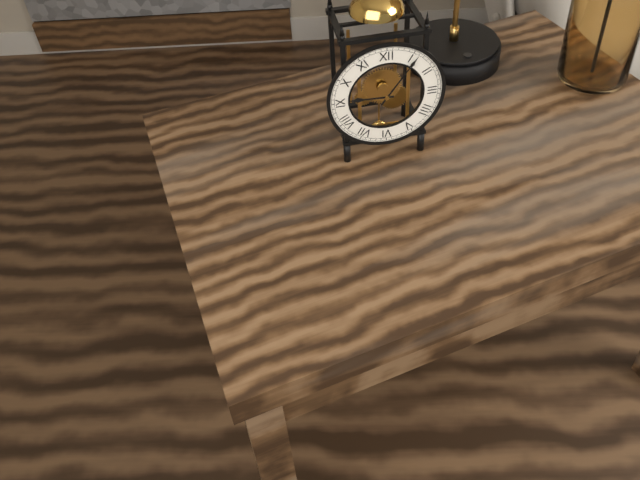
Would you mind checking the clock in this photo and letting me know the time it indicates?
9:06
